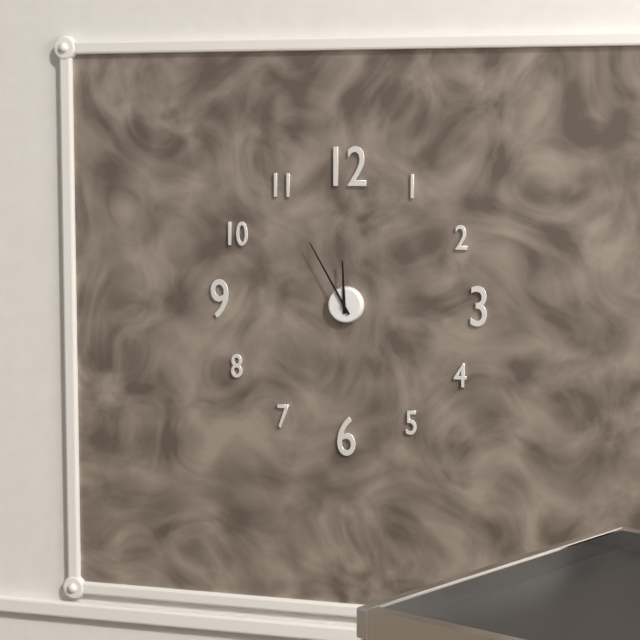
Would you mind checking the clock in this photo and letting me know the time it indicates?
11:55
